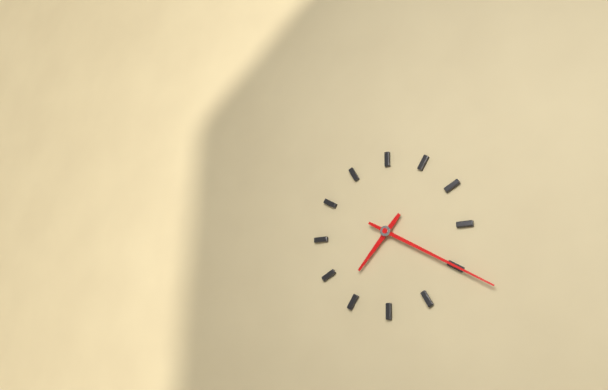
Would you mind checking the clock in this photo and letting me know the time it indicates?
7:20
